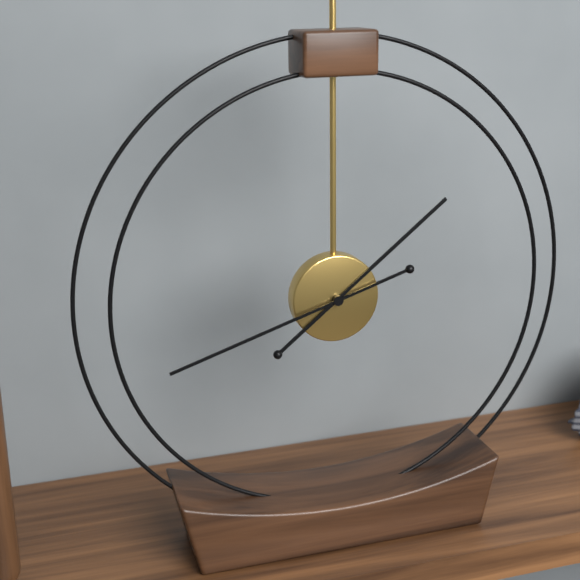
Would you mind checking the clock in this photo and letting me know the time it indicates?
1:42
